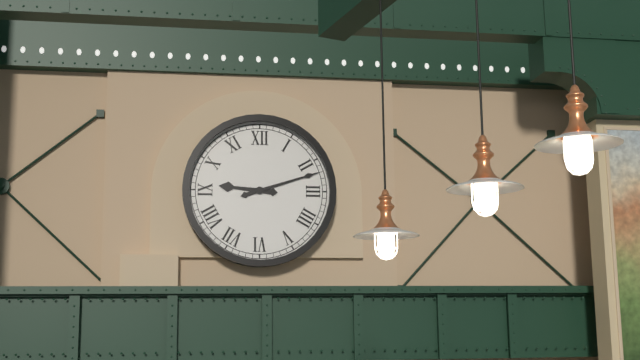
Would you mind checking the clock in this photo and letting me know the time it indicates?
9:12
